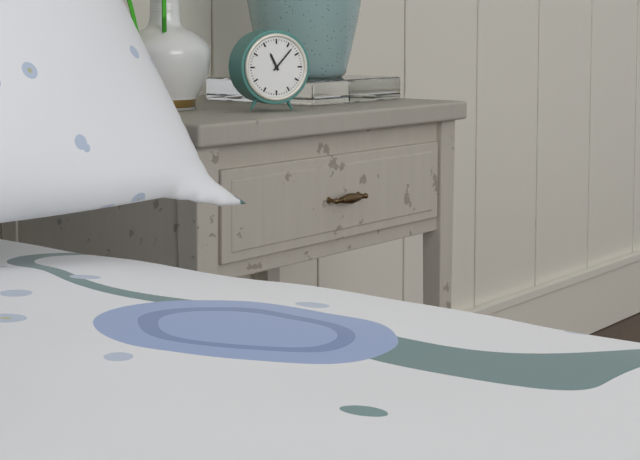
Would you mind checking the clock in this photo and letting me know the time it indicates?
11:07
